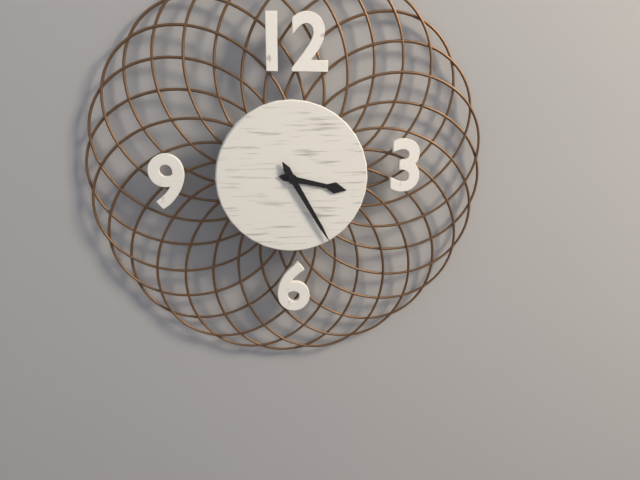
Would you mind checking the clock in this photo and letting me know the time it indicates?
3:25
